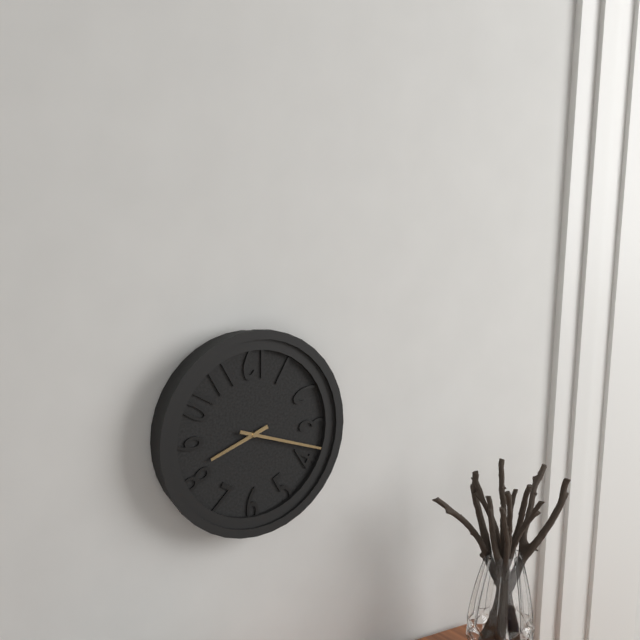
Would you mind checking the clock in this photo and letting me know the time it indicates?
8:18
